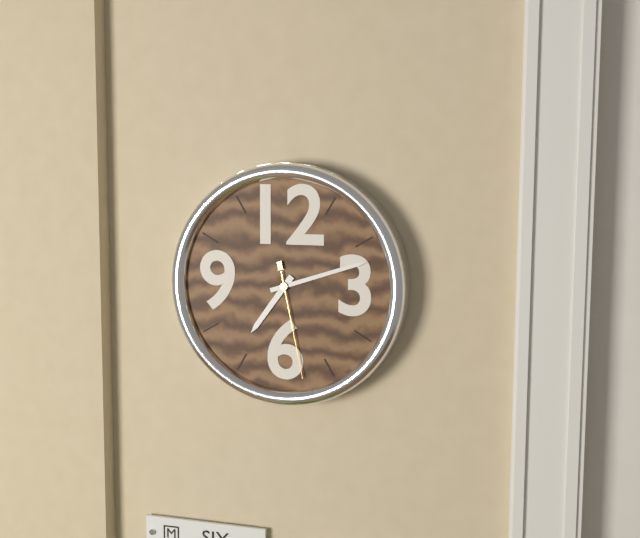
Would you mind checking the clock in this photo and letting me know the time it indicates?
7:12:28
